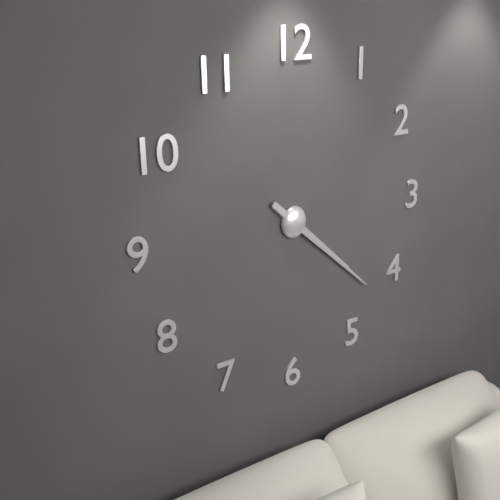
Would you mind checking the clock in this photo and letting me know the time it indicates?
4:22
